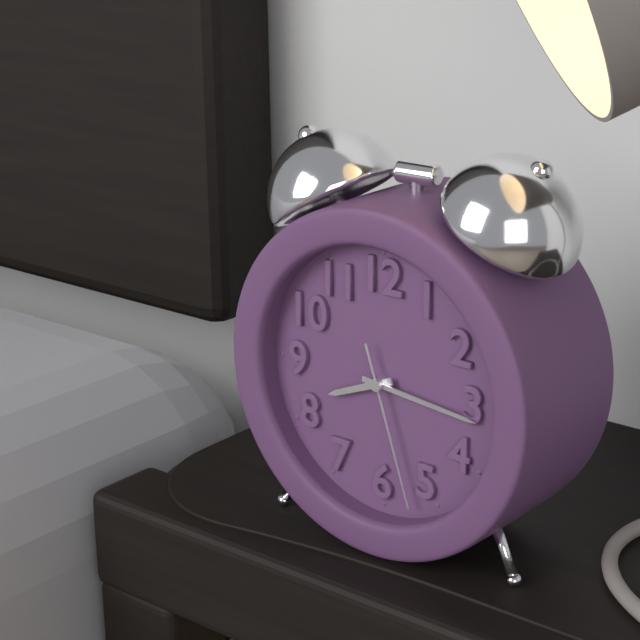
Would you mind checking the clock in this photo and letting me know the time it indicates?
8:16:27
